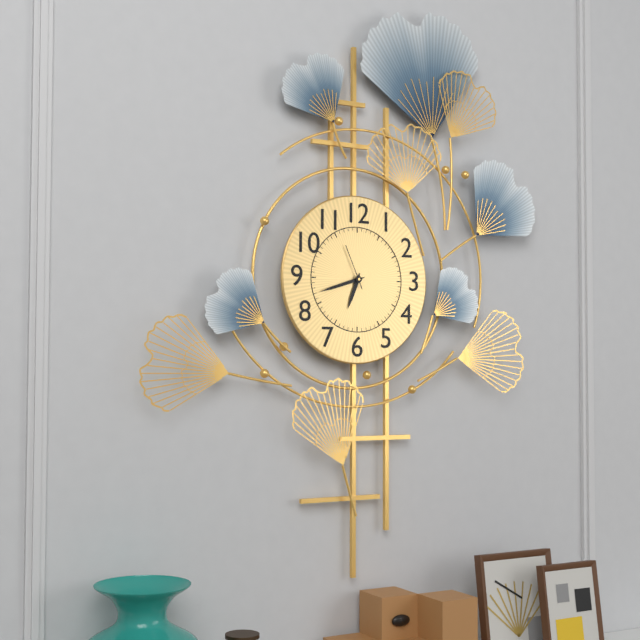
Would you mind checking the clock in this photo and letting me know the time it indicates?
6:42
